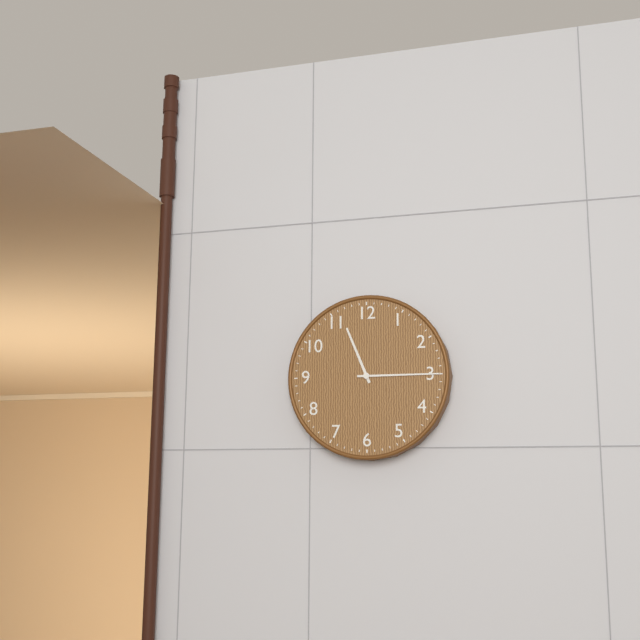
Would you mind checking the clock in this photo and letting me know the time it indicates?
11:15
